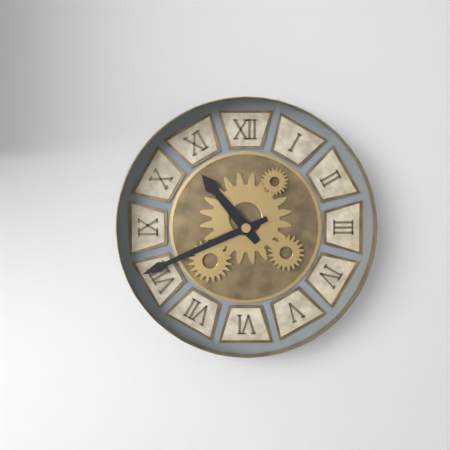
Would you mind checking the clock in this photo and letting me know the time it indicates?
10:41
